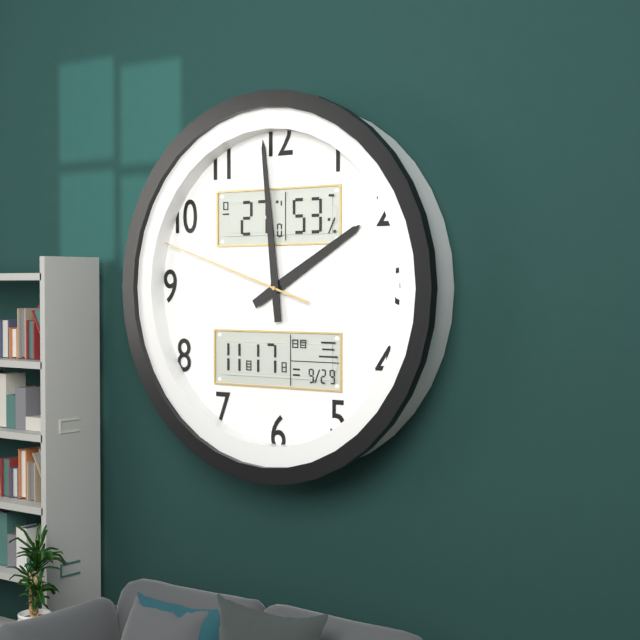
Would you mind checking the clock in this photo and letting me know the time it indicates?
1:59:48
